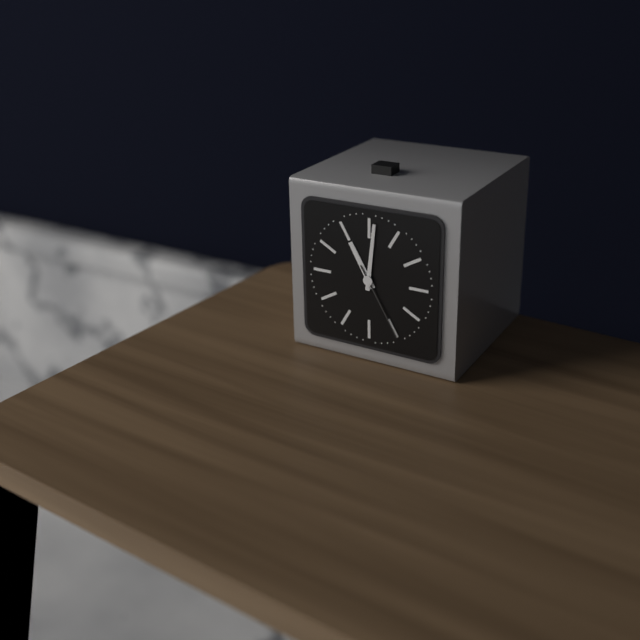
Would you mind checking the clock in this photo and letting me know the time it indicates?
11:01:25
